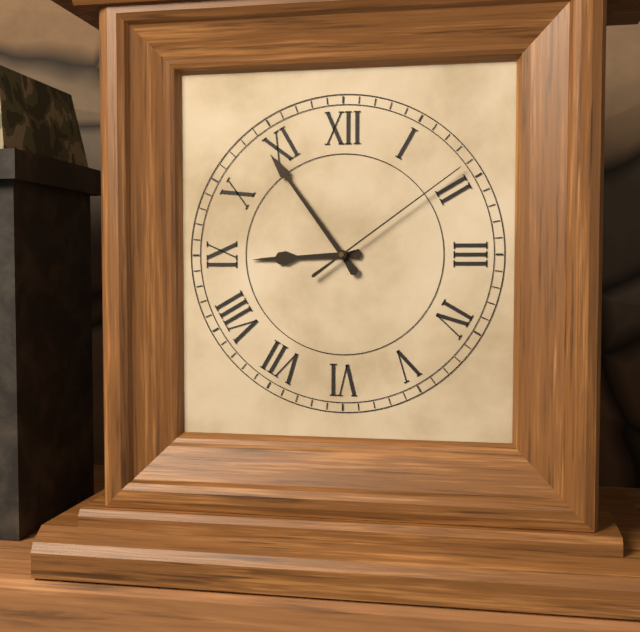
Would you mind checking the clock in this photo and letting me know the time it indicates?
8:54:09
